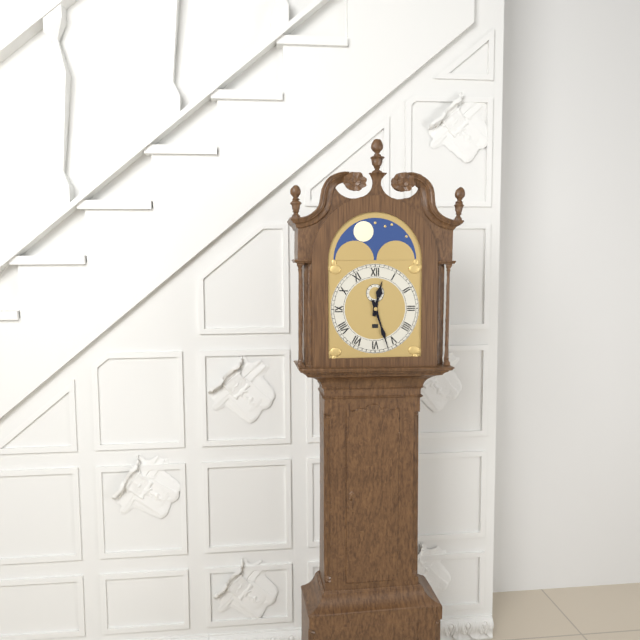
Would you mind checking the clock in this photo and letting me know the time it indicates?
12:27
